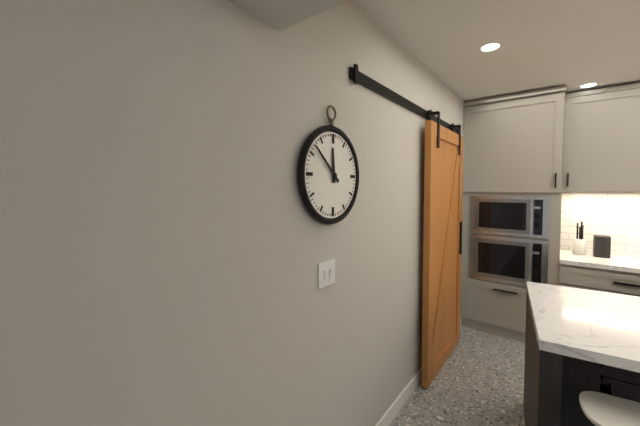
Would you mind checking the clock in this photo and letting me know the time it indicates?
11:52
